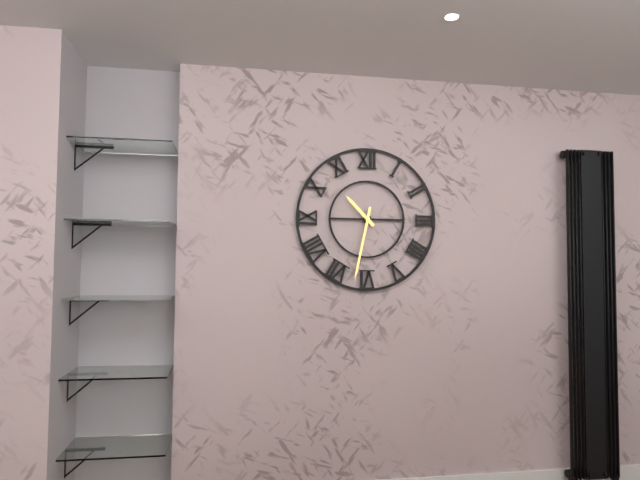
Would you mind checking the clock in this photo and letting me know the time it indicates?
10:32
